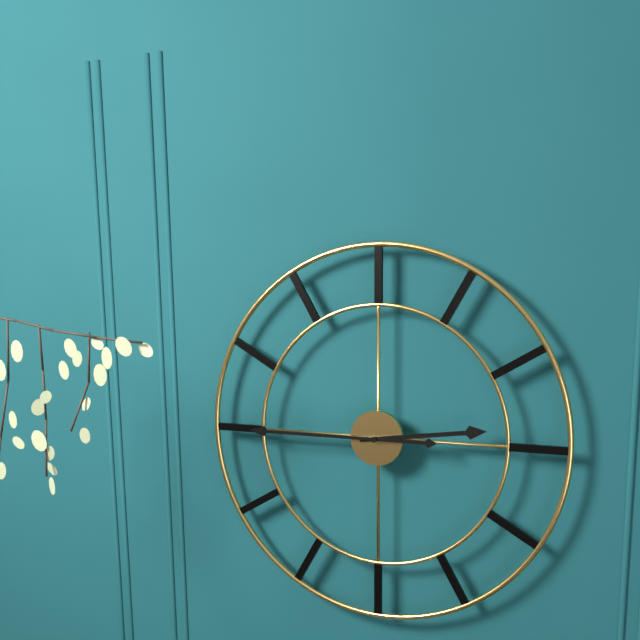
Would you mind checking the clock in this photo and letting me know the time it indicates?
2:45
